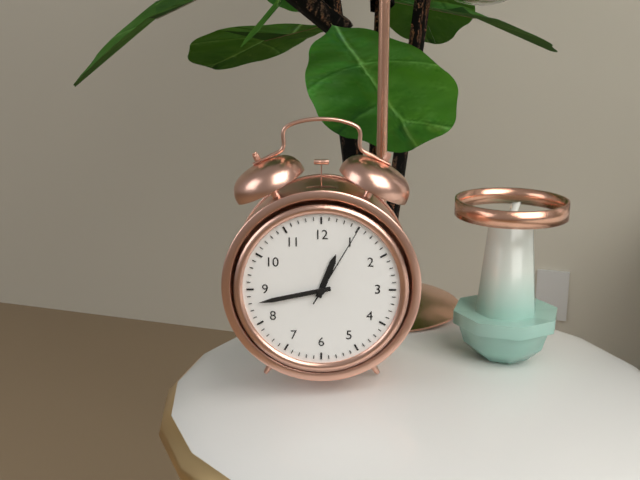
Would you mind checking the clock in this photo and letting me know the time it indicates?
12:43:05
